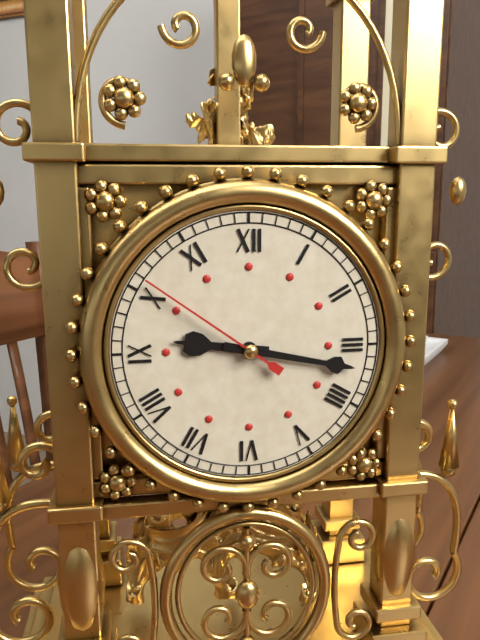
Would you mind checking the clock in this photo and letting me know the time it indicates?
9:17:51
